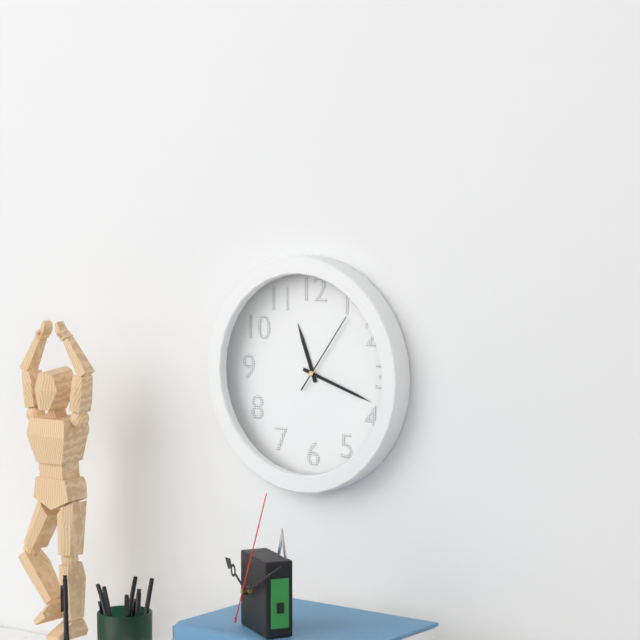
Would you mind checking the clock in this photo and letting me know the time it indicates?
11:18:06
